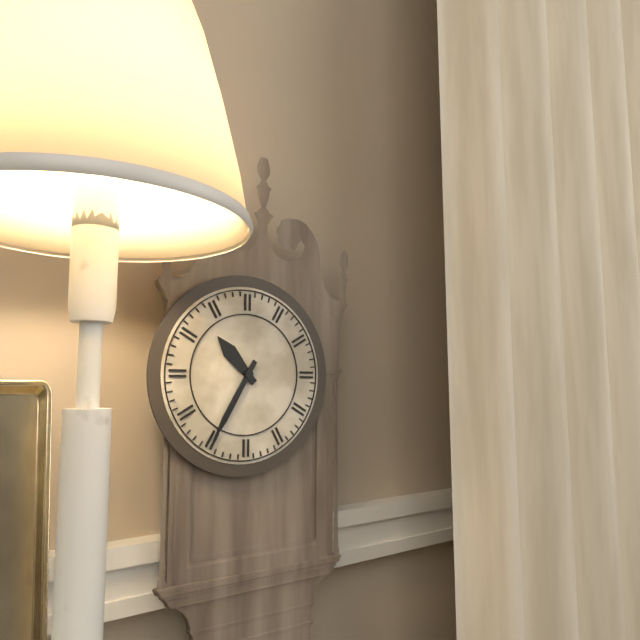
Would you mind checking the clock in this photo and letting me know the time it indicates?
10:35
